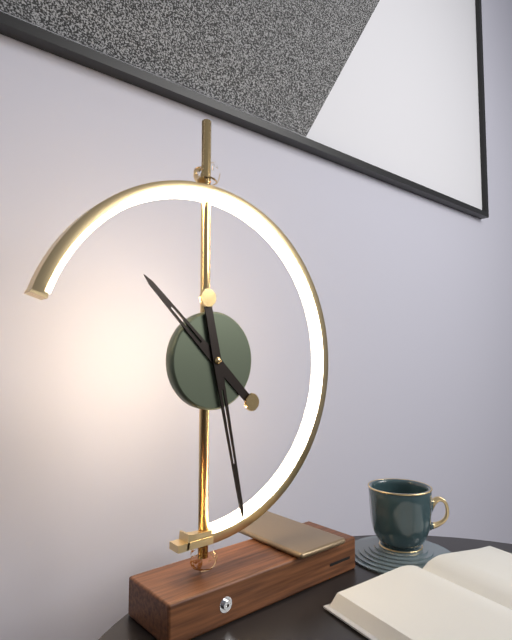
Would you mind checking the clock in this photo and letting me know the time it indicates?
10:28
